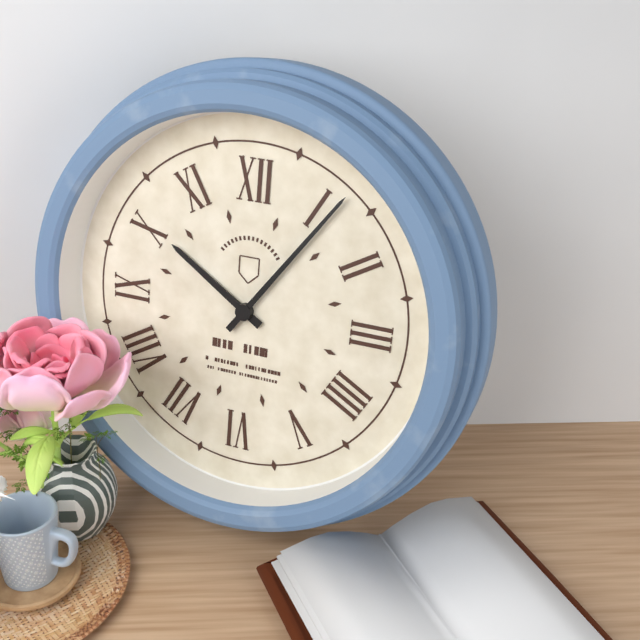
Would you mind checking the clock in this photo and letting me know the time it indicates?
10:06
